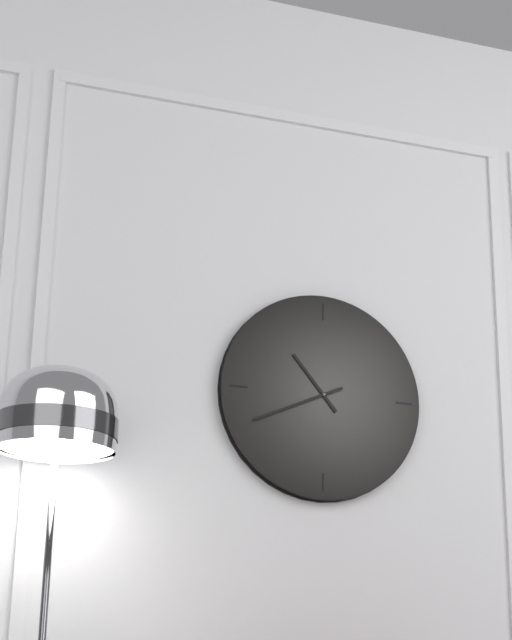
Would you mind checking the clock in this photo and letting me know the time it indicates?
10:41
